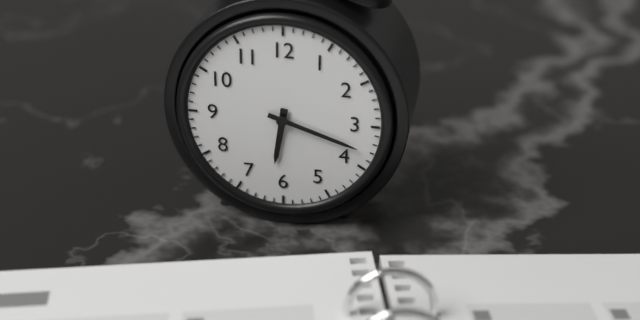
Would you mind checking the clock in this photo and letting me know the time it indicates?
6:18
